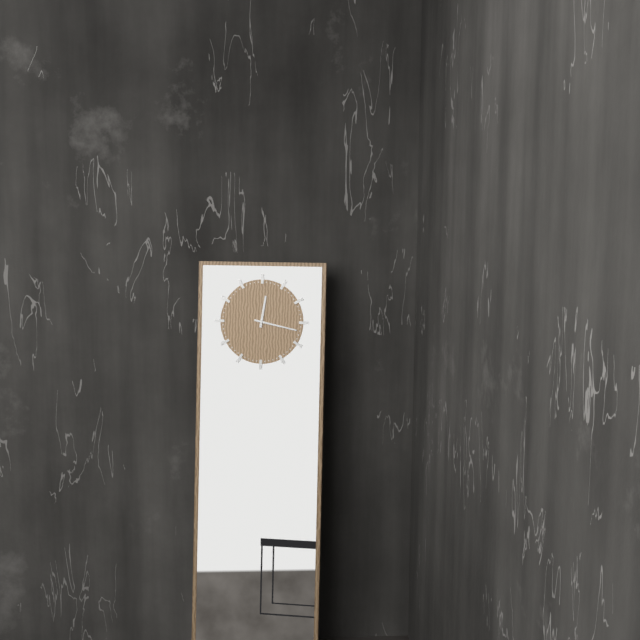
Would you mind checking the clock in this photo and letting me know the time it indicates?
12:17
